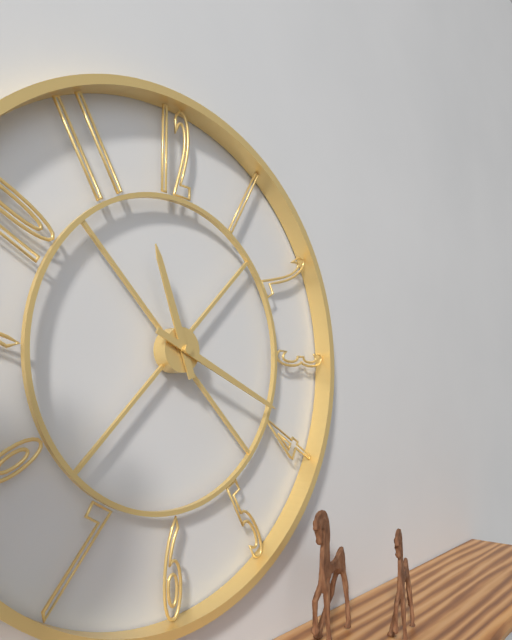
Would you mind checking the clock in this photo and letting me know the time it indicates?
11:19
